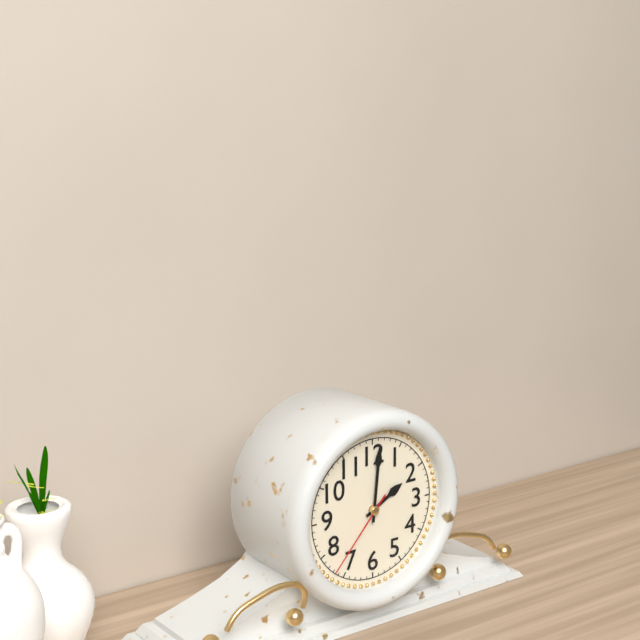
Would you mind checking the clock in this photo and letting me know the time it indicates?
2:01:37
